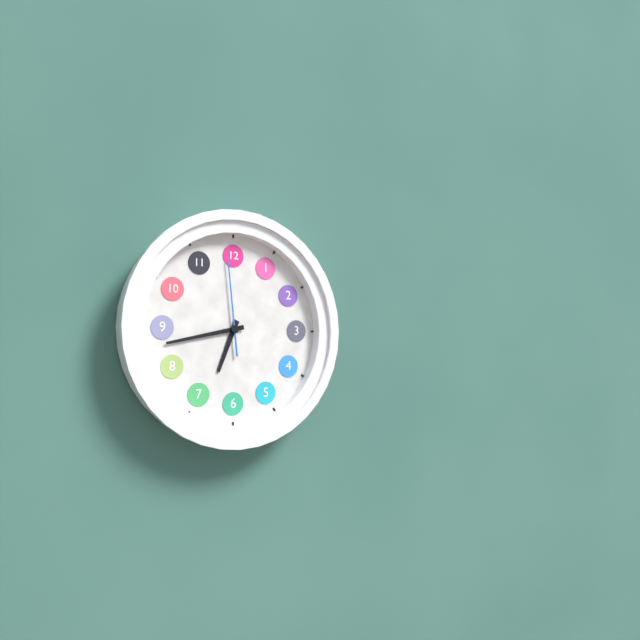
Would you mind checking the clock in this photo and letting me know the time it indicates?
6:43:59
